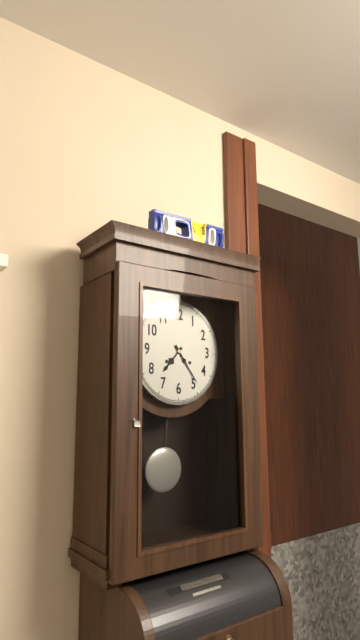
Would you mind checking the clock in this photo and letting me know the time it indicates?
7:24
